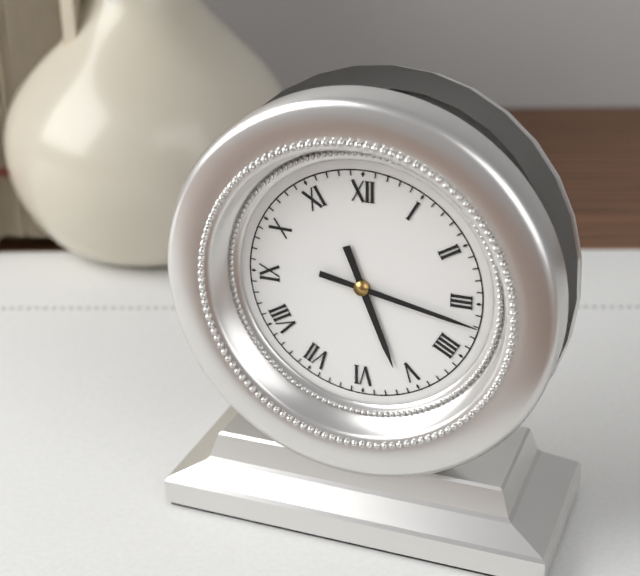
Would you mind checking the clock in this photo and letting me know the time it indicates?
5:17
